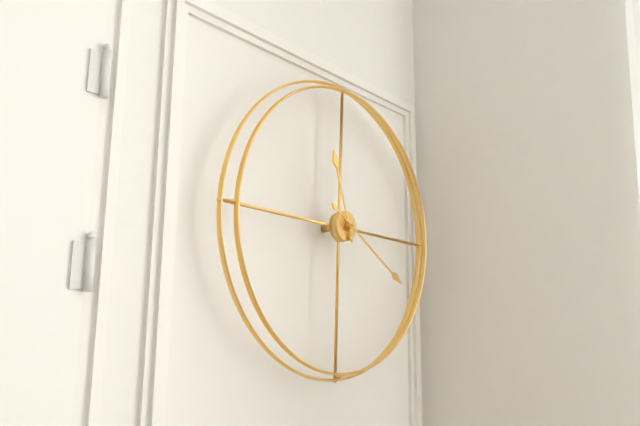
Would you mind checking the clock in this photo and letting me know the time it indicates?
11:20
